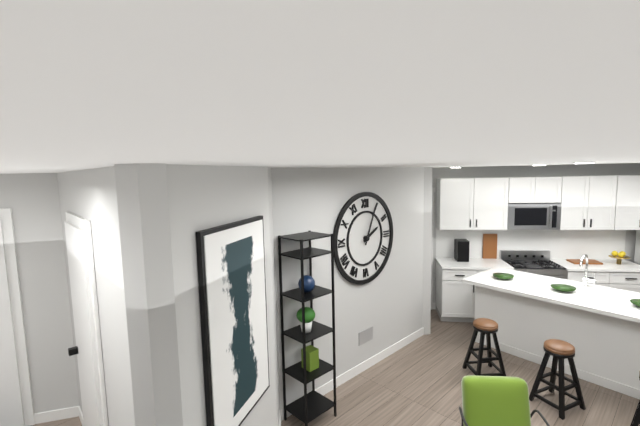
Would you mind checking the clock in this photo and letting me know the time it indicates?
2:04
